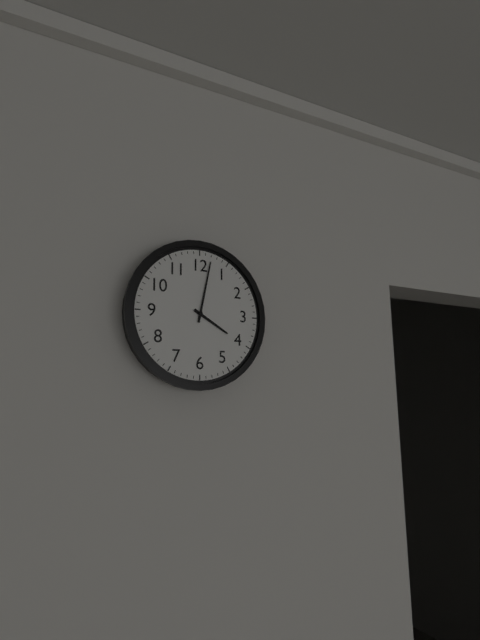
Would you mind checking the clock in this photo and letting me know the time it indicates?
4:02
